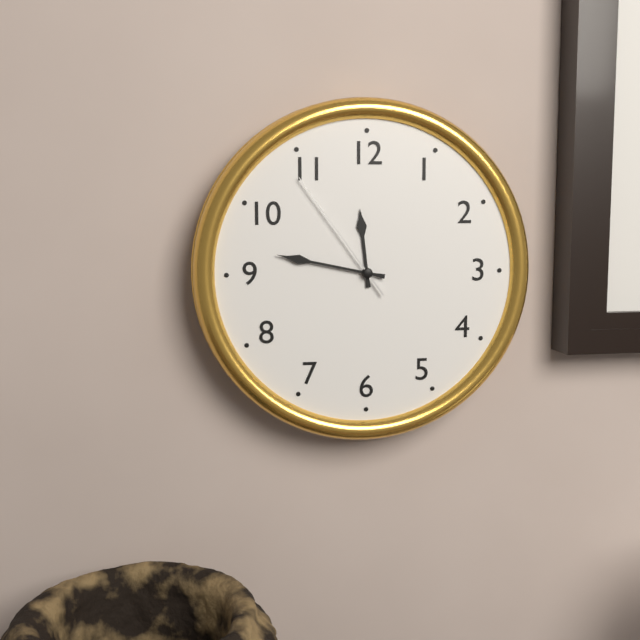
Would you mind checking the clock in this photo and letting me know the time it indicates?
11:47:54
